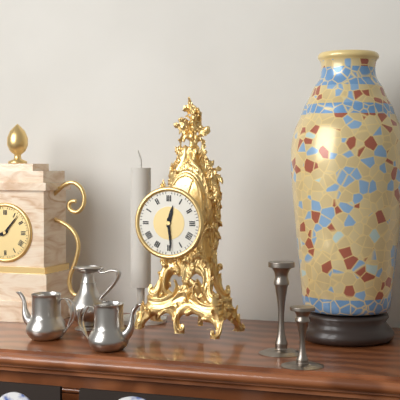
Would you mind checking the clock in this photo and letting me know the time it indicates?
12:29
